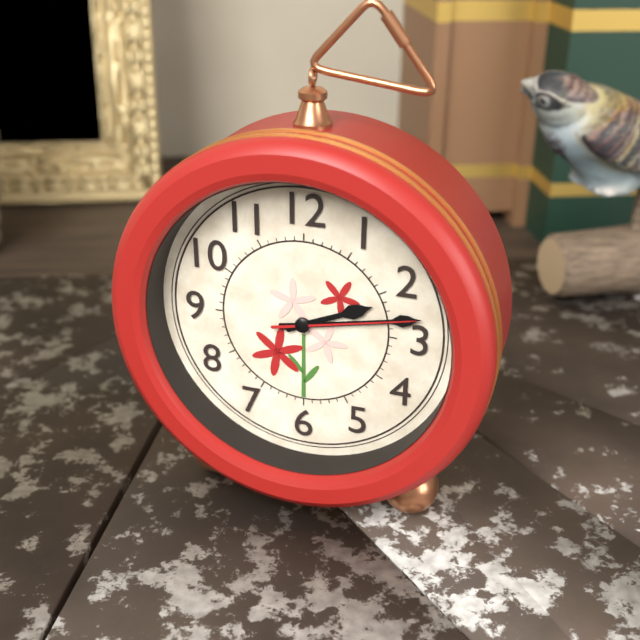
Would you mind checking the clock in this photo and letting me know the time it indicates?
2:13:13
